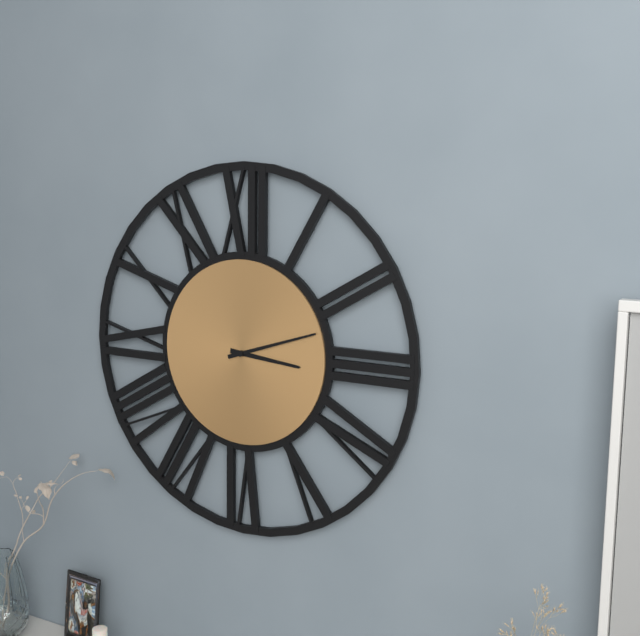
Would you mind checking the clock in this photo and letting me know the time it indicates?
3:12
